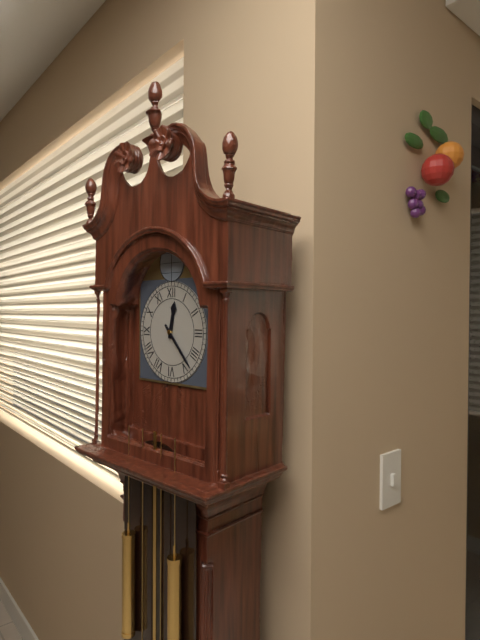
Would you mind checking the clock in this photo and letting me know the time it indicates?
12:23
